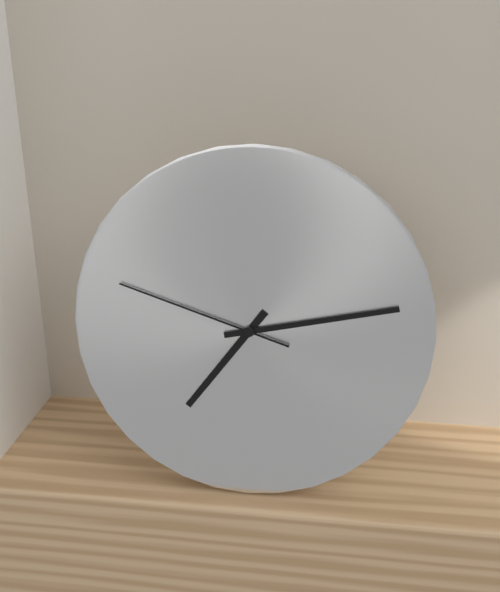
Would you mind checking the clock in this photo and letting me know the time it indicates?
7:13:48
